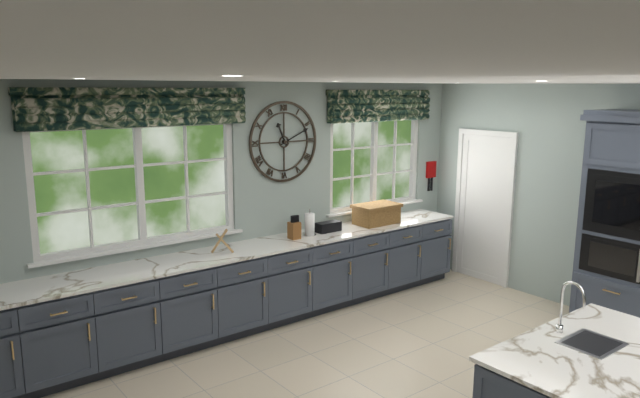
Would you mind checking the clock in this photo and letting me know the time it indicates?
11:11
